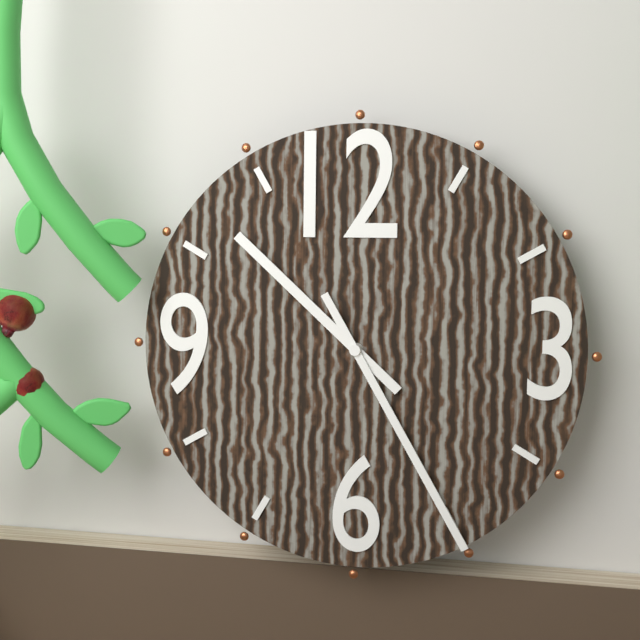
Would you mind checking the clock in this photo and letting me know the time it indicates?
10:25
